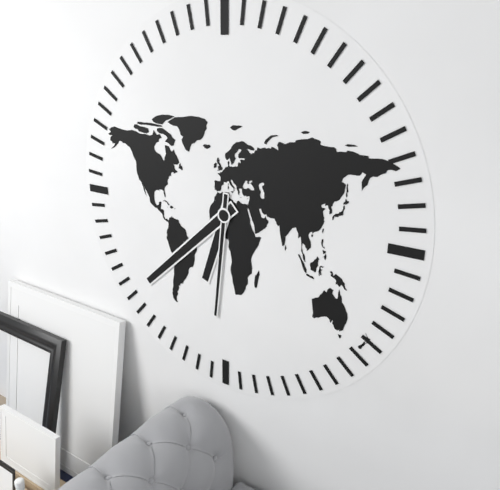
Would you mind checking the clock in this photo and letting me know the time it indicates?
6:38:31
